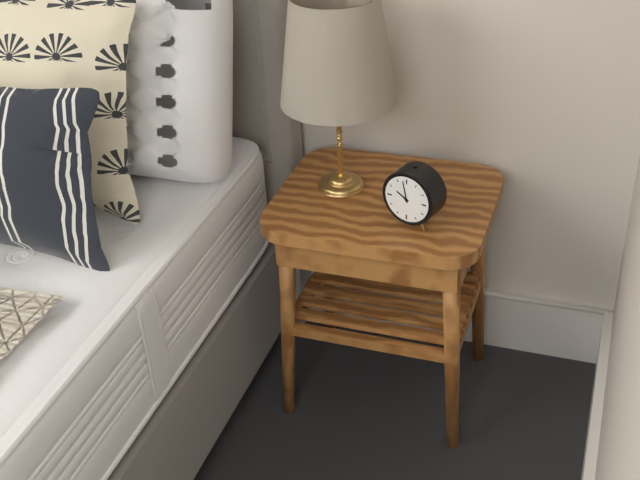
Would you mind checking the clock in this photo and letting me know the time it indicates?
9:58
